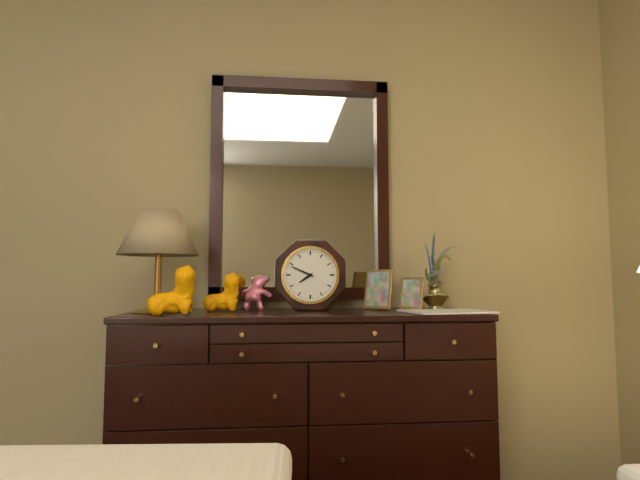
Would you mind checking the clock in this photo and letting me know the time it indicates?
7:49
